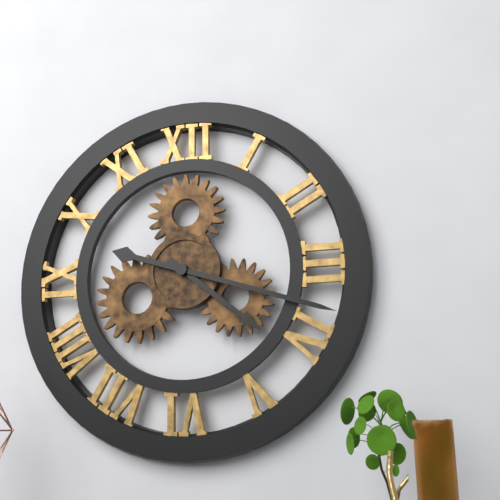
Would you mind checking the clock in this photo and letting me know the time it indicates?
4:18
